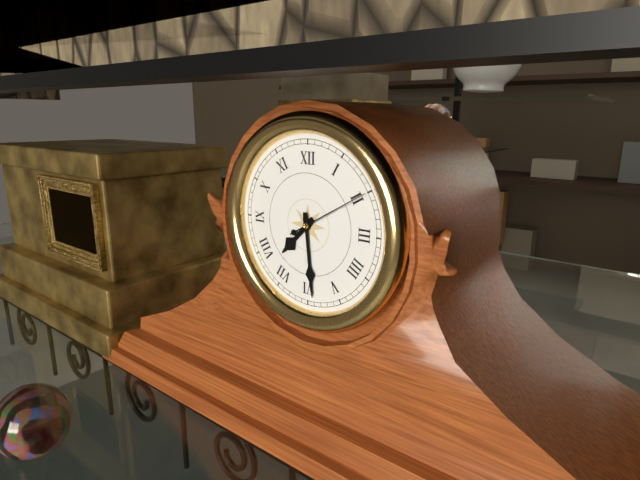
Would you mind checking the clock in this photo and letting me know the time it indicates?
7:29:10
